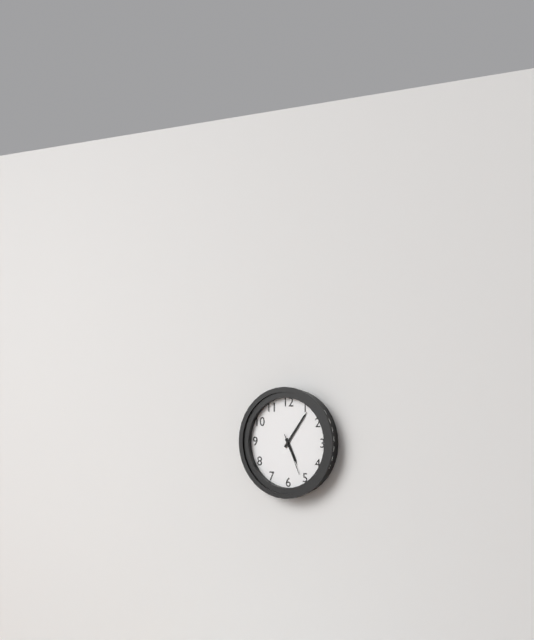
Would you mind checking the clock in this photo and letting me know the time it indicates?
5:06
